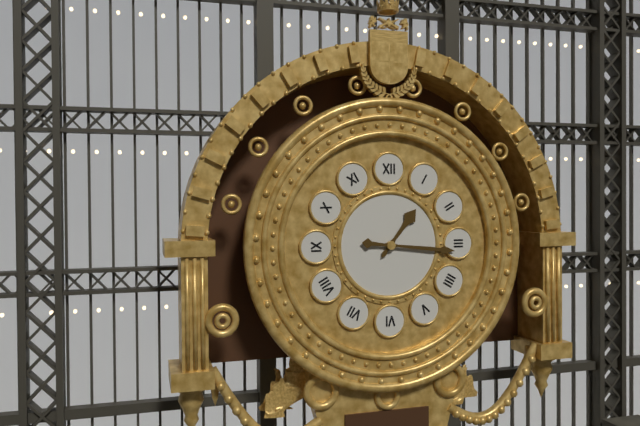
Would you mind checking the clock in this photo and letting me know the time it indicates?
1:16
